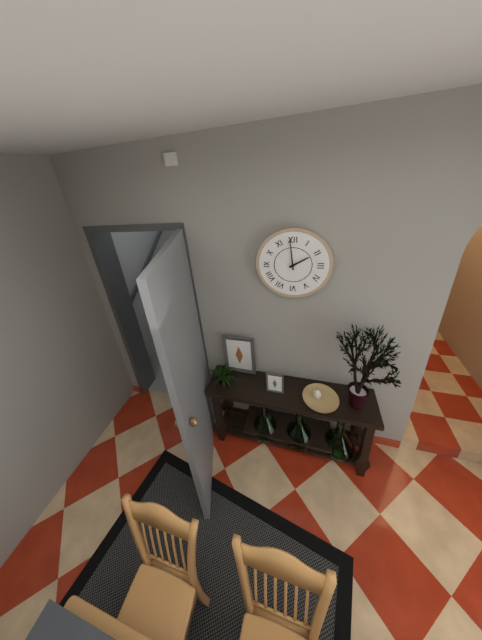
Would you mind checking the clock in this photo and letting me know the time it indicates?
1:59
